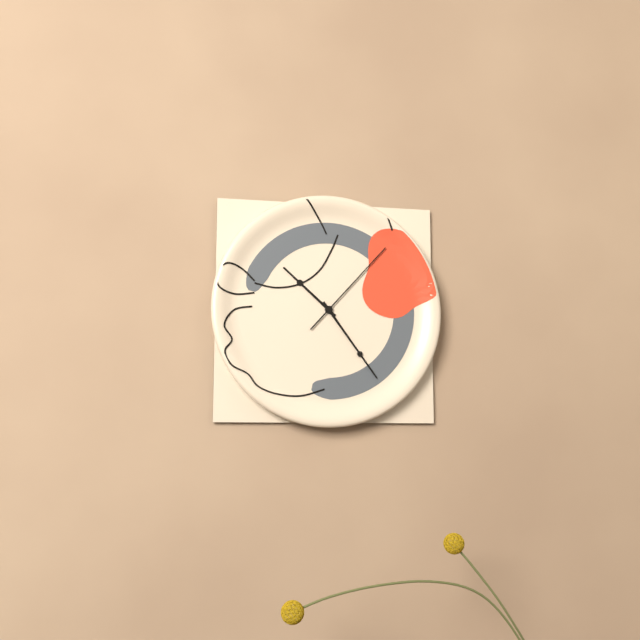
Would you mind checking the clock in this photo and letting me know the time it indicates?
10:24:07
